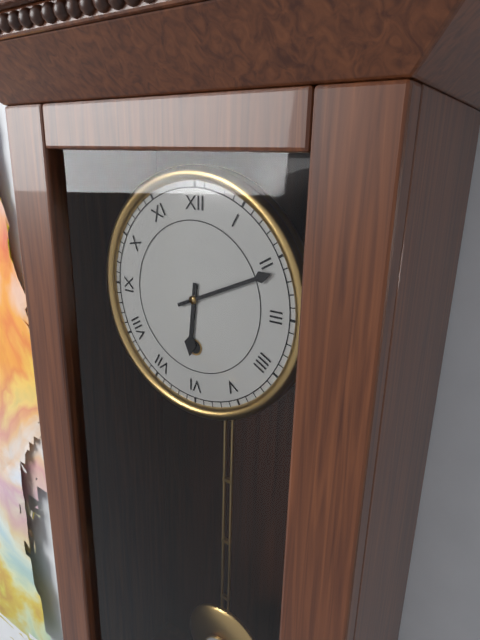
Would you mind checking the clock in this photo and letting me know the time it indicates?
6:11
